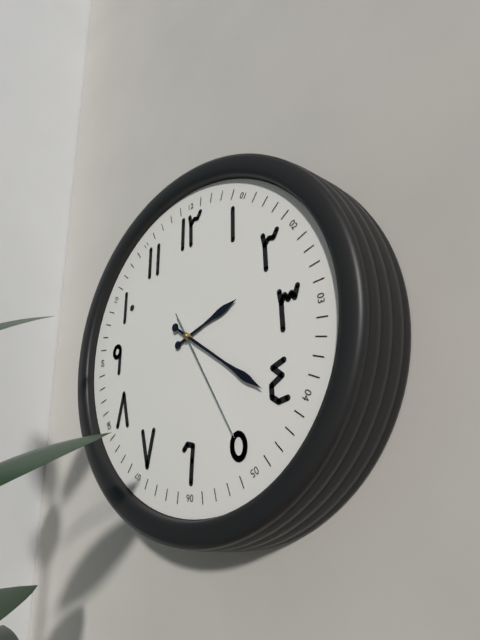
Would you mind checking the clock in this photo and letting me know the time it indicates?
2:21:25
